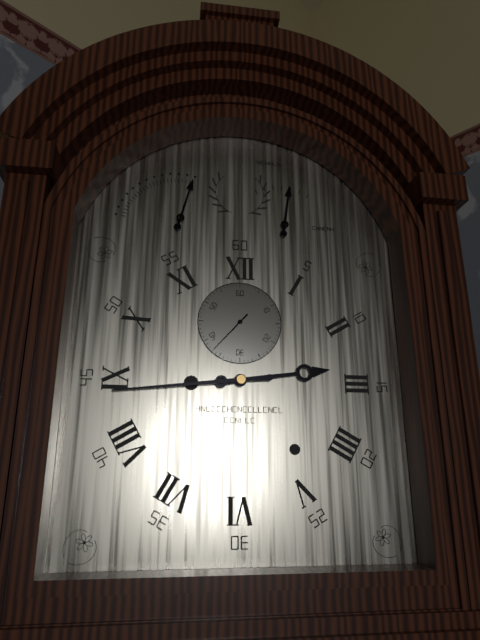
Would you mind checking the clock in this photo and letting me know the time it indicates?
2:44
